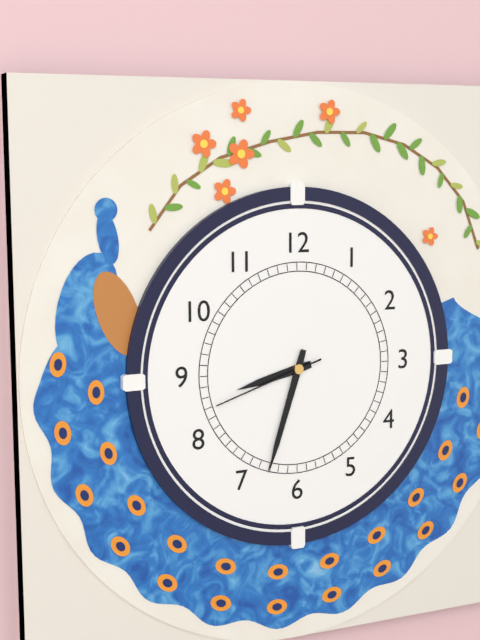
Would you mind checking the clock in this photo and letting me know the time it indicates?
8:33:42
